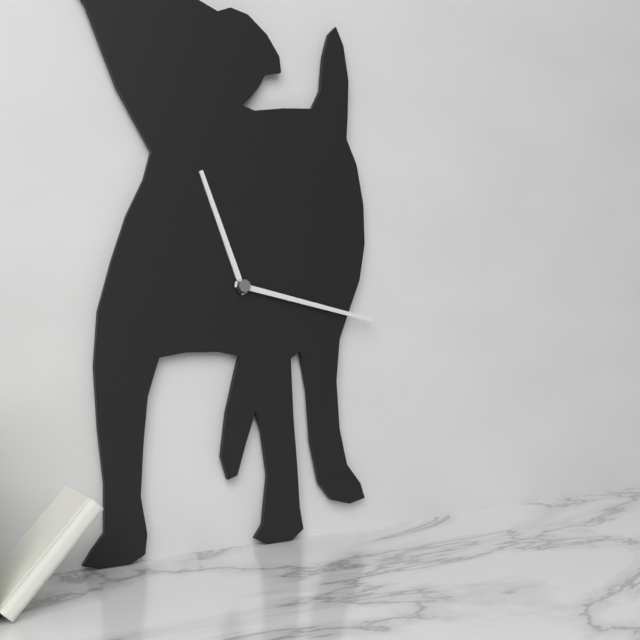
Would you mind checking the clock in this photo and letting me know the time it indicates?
11:17
